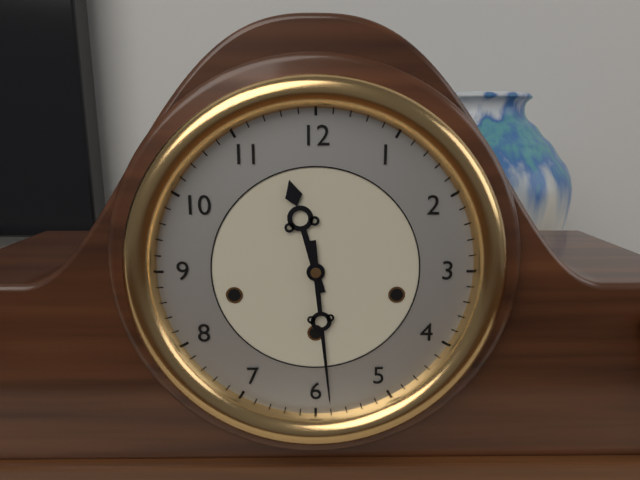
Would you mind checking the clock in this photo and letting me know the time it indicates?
11:29
